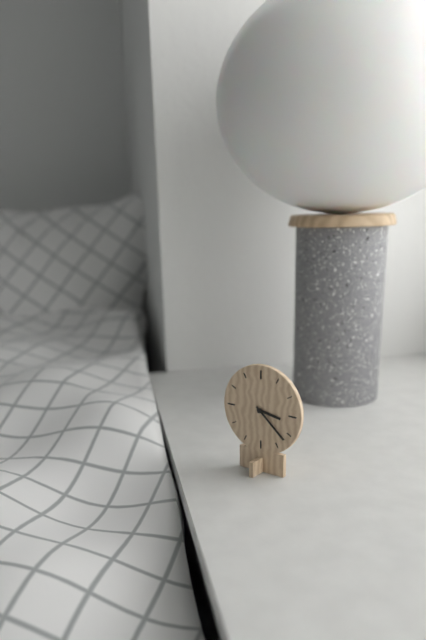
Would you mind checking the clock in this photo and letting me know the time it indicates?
3:22
